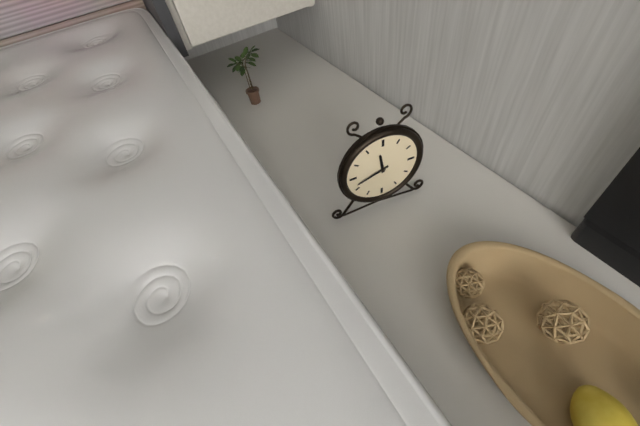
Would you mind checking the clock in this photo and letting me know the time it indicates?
11:42
